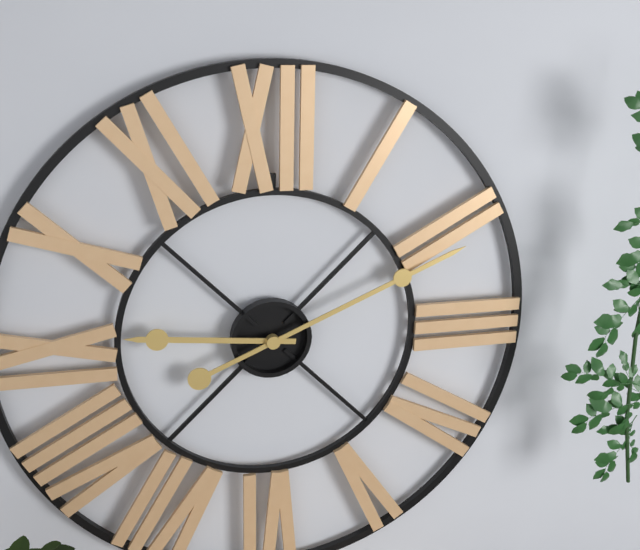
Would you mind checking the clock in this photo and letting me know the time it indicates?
9:11
